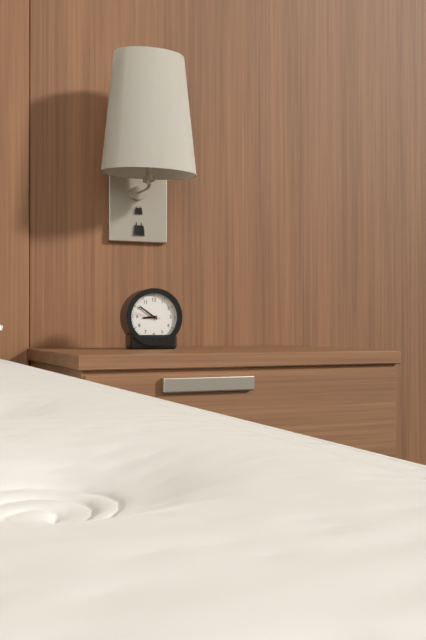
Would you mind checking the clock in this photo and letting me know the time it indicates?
8:51
